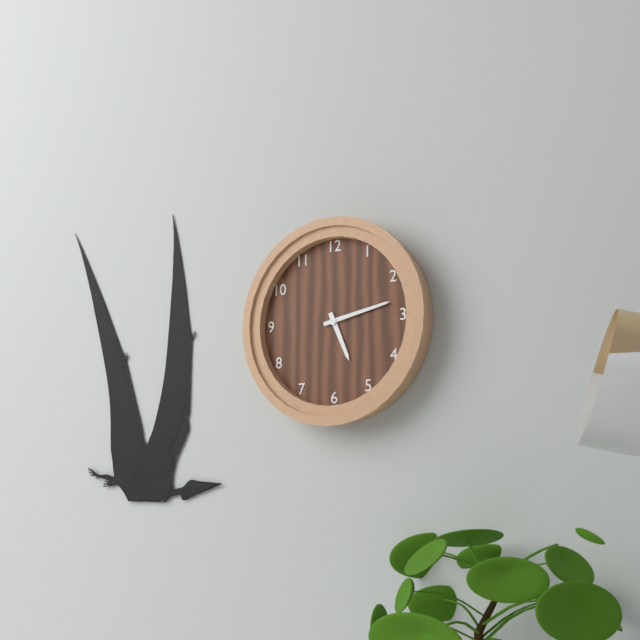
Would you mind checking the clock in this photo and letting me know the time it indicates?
5:13
